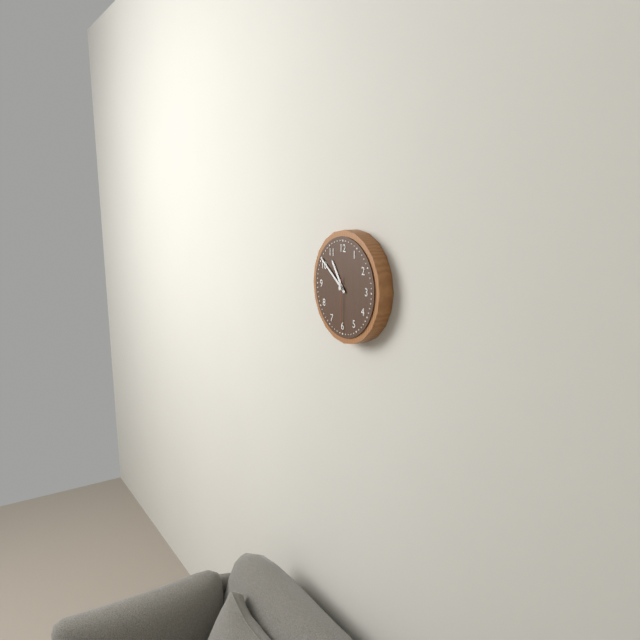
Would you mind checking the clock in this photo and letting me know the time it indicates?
10:51:30
